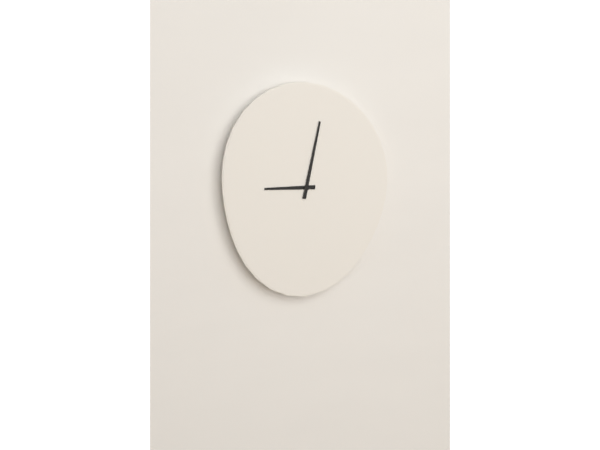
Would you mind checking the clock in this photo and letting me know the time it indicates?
9:02
